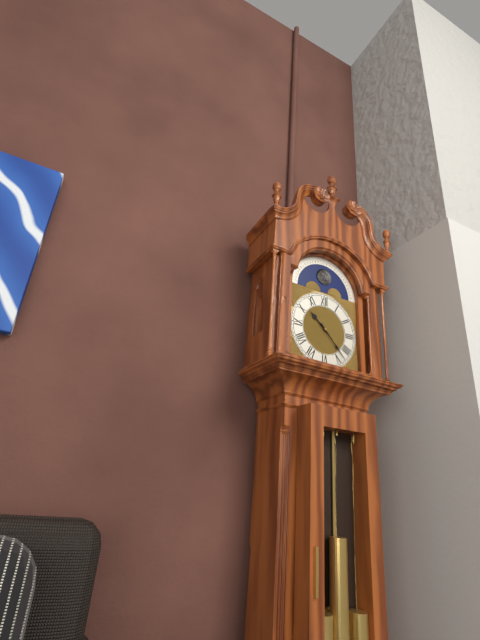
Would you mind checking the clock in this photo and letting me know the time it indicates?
10:23
